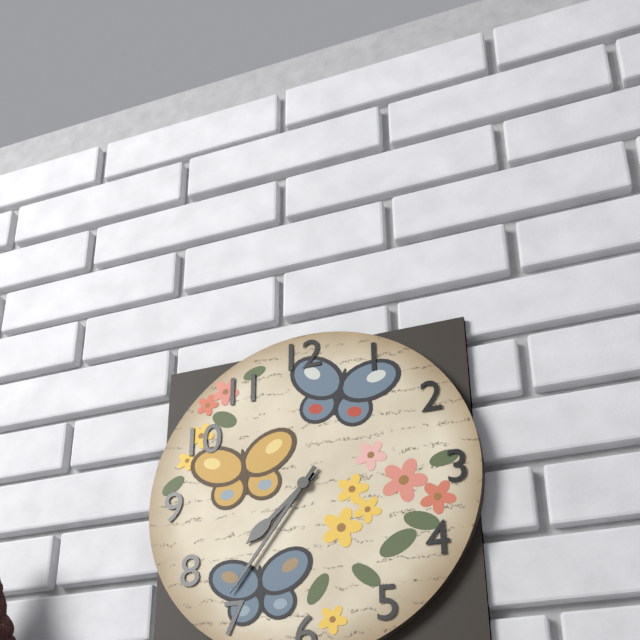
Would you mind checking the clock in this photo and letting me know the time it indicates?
7:36
